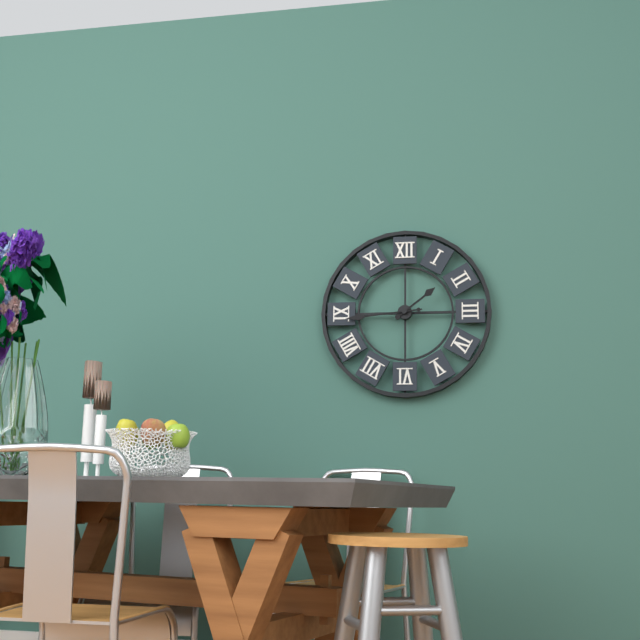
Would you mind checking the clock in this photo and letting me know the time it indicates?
1:44
